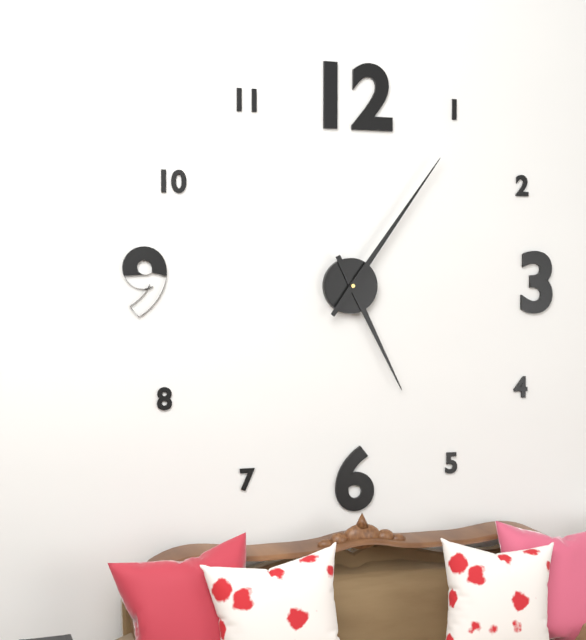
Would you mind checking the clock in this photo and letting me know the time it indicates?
5:06
